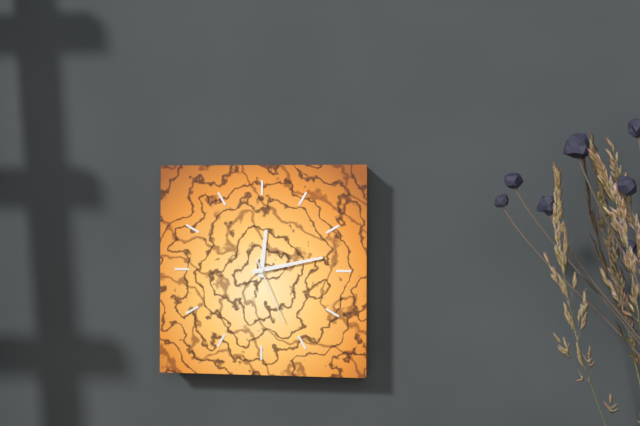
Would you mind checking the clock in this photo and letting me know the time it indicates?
12:13:26
